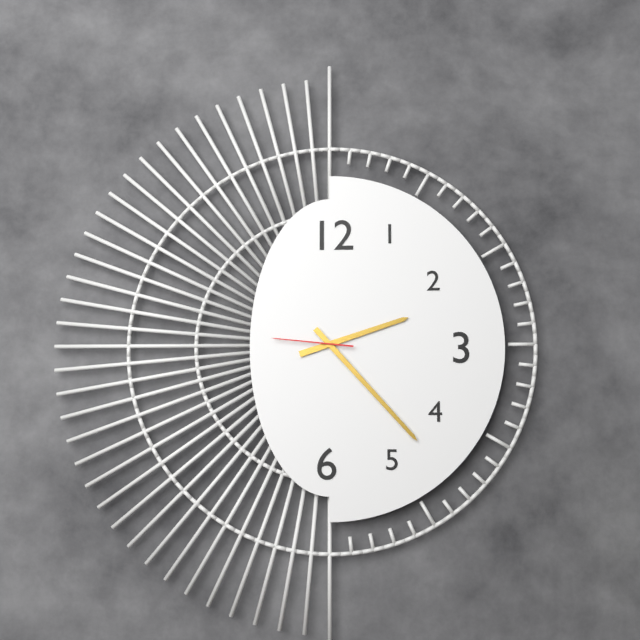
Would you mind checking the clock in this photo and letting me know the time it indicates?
2:23:46
